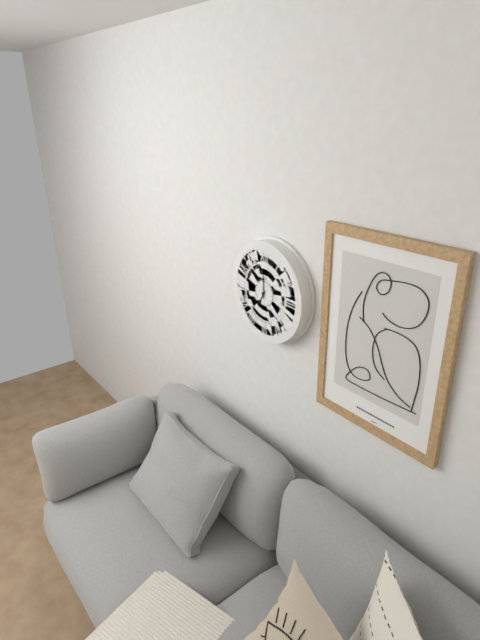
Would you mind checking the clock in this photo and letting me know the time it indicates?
7:00
